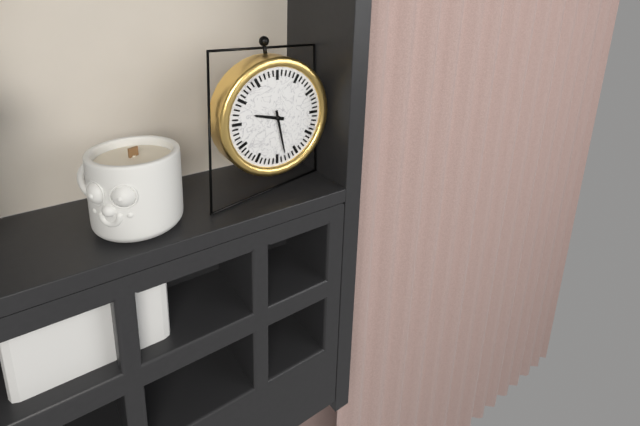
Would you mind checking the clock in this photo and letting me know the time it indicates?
9:28
